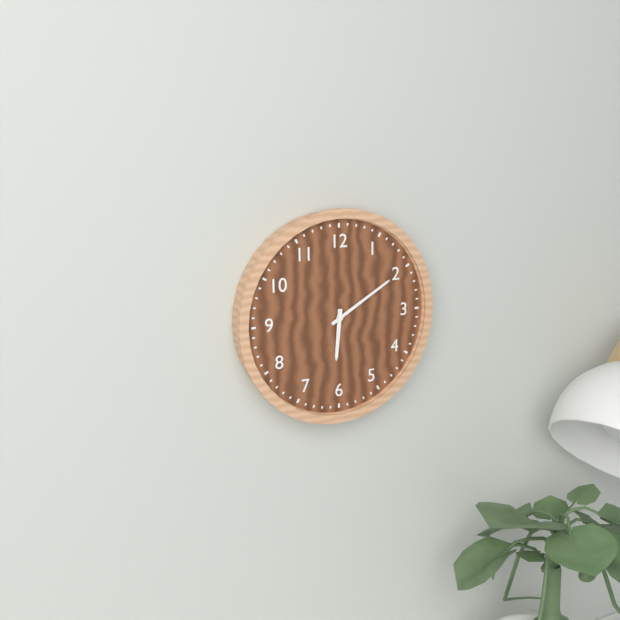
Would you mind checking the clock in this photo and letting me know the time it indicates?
6:10
